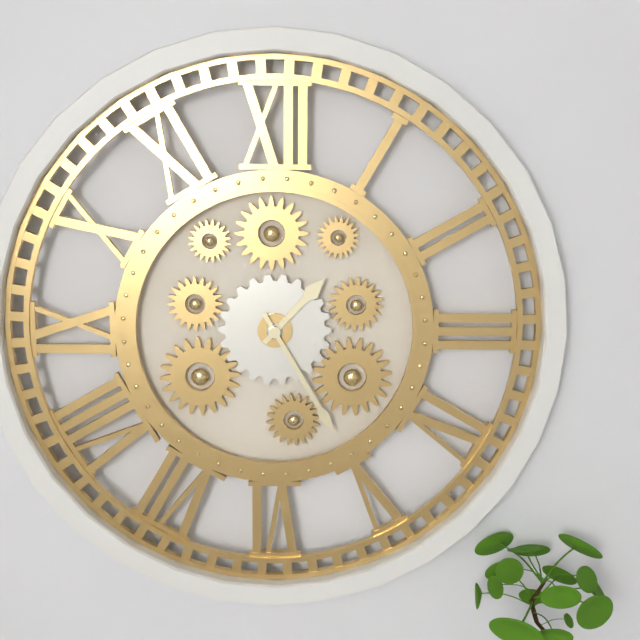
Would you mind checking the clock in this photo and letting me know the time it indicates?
1:25
